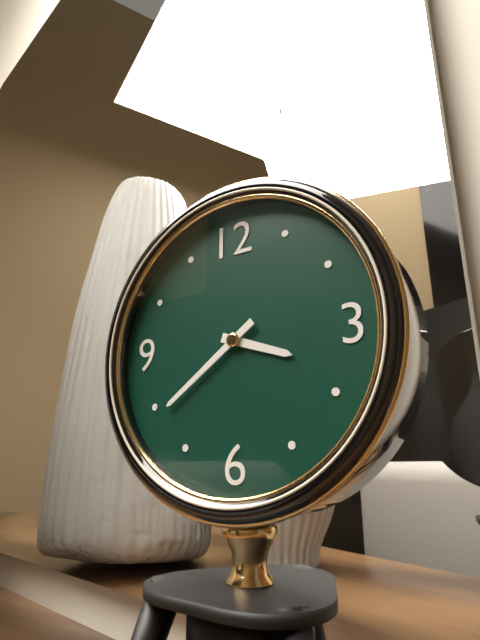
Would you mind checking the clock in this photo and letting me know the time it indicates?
3:39
